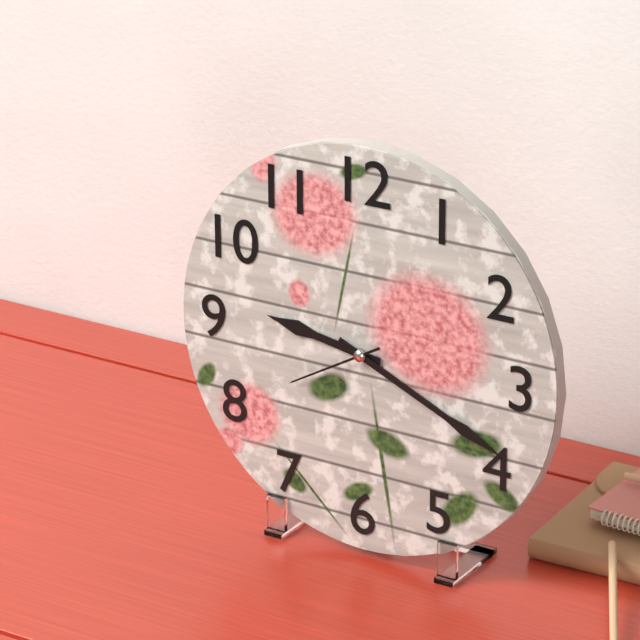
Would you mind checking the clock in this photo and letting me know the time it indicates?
9:19:40
